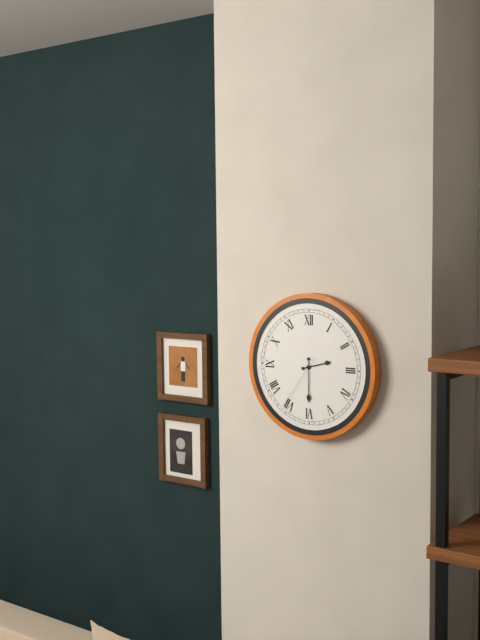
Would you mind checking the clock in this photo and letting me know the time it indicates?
2:30:36
